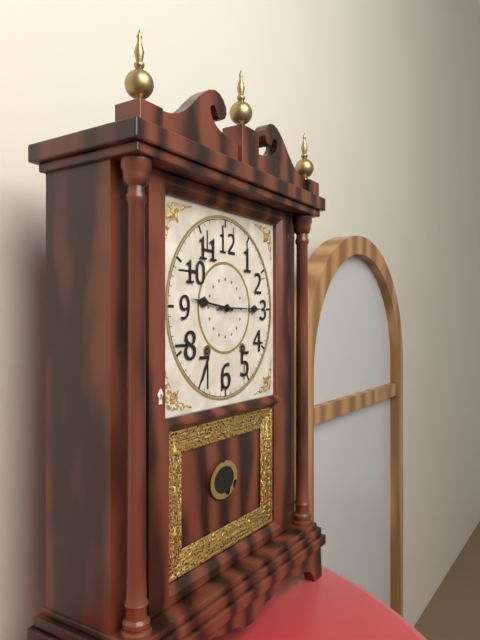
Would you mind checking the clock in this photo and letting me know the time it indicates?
9:15
